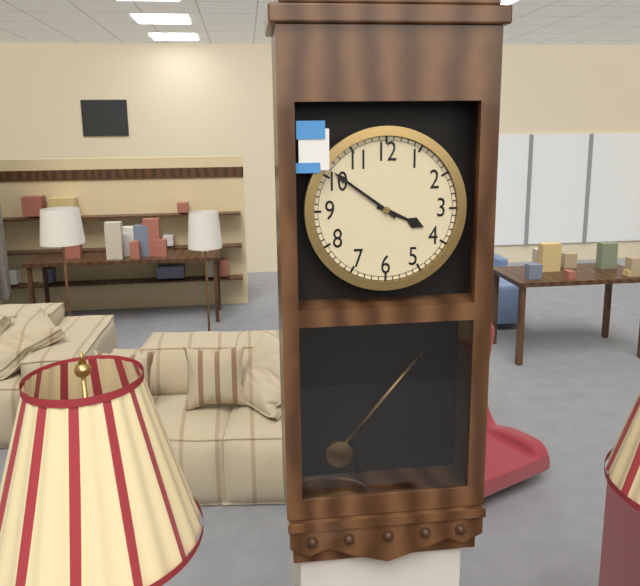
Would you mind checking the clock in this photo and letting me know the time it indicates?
3:51
